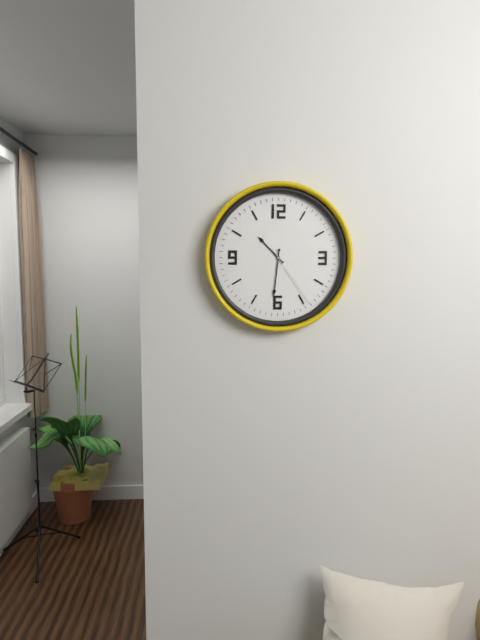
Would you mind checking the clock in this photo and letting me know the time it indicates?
10:31:24
